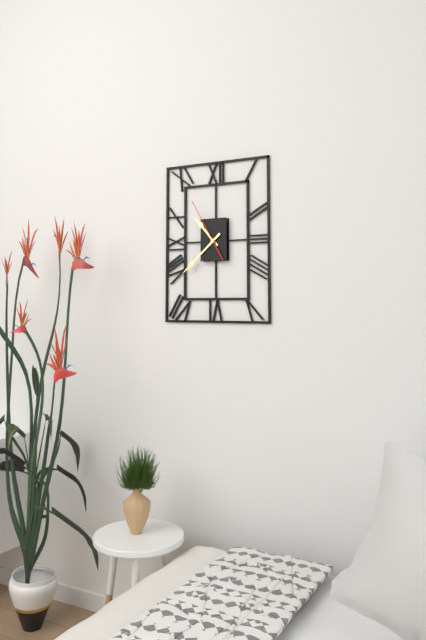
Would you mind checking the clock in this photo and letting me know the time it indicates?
10:38:55
